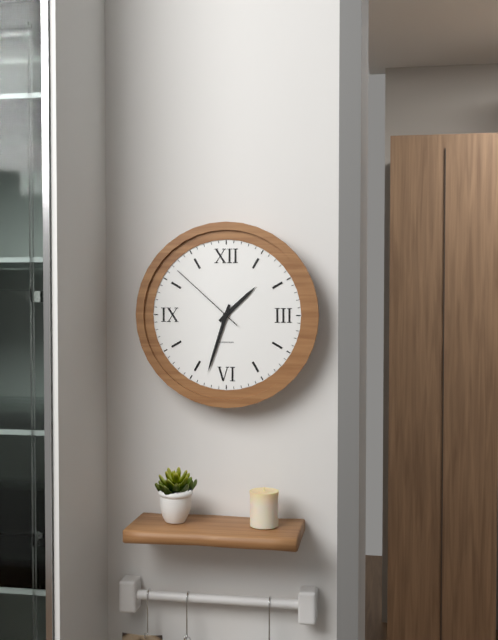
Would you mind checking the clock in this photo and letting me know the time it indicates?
1:33:52
